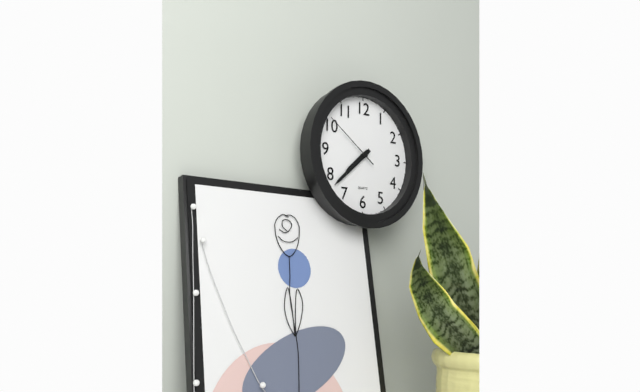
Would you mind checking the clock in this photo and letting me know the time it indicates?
7:38:51
